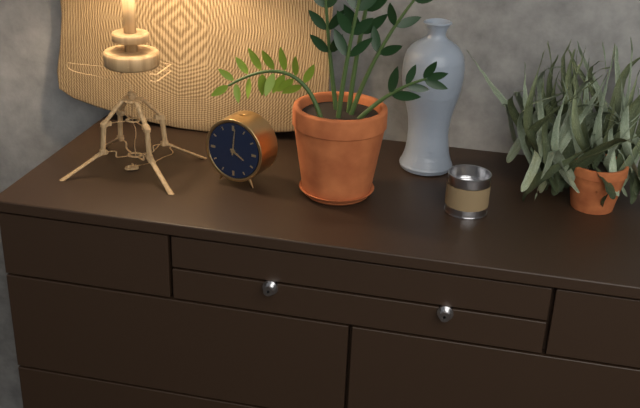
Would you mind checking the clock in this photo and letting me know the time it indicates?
4:01
